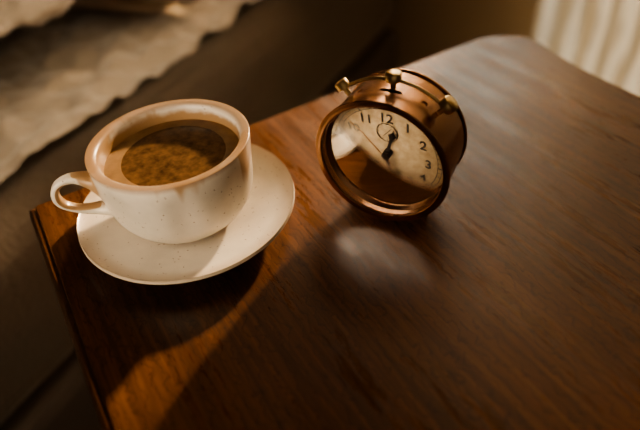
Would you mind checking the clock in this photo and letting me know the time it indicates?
12:29:53
